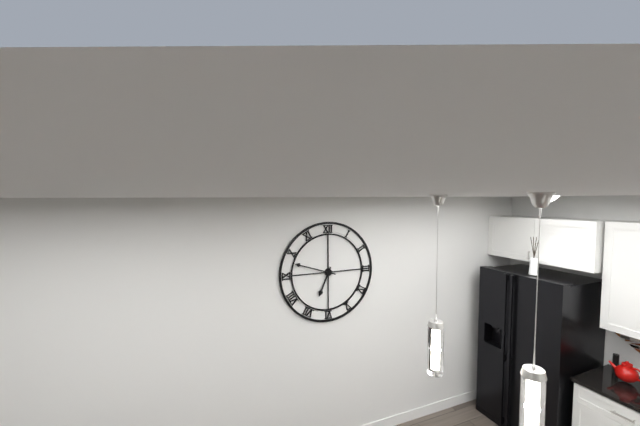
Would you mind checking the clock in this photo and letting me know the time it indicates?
6:48
